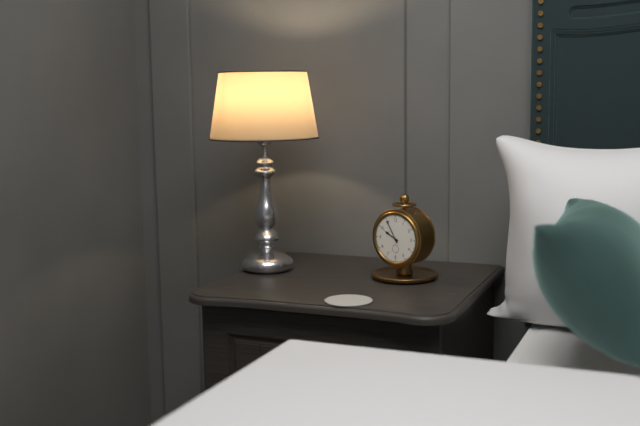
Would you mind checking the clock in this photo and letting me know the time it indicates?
9:55
